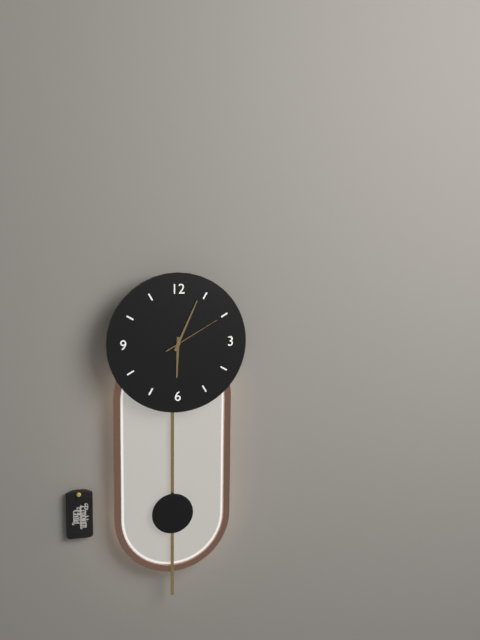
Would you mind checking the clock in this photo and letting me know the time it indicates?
6:04:10
